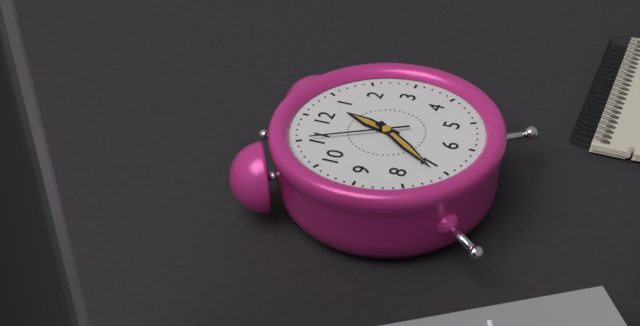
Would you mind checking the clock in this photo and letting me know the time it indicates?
12:36:55
